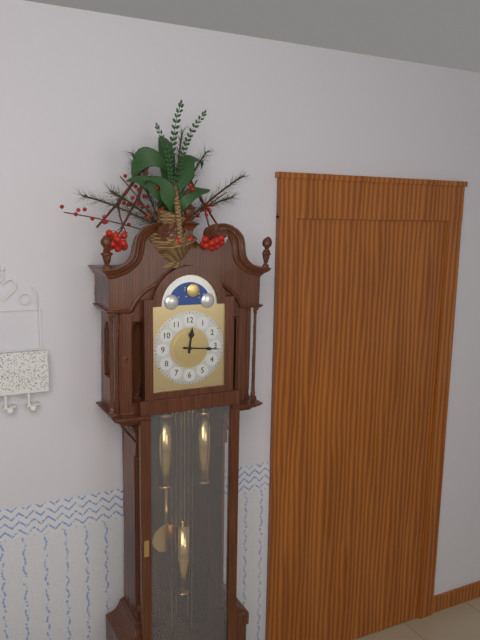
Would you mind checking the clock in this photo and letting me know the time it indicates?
12:16
